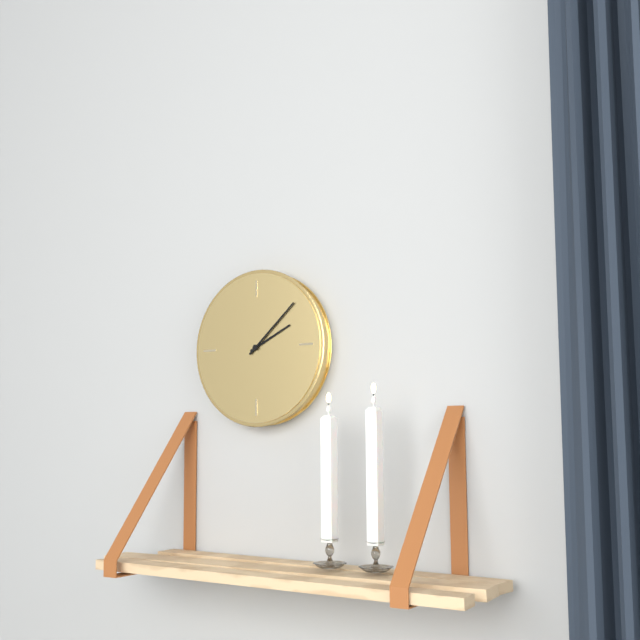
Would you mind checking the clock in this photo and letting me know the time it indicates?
2:08
